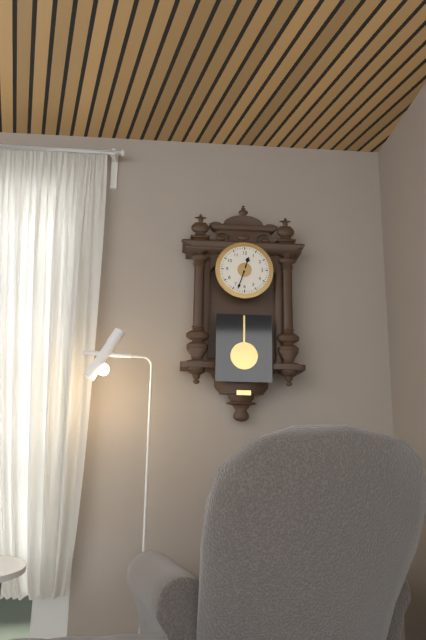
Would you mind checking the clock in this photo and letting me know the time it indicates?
12:33
